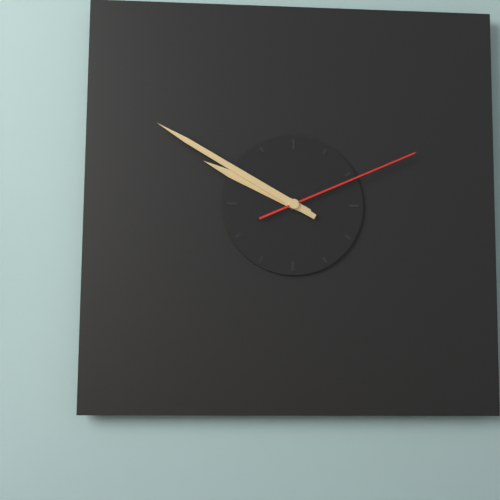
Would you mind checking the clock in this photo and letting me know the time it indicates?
9:50:11
